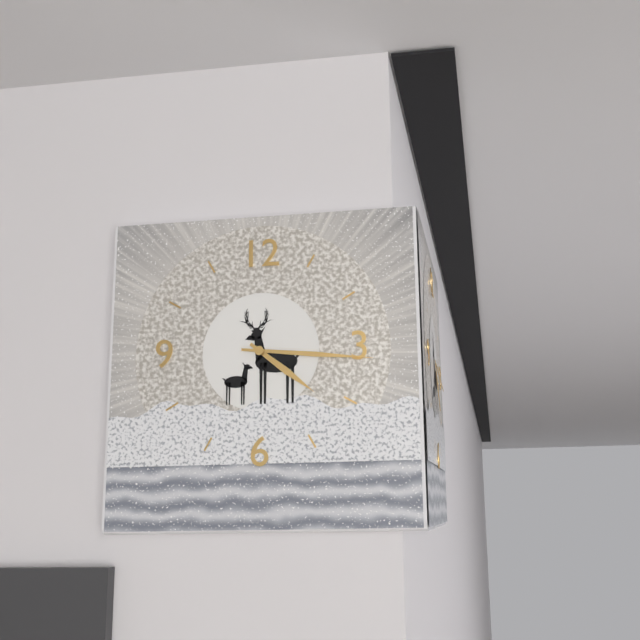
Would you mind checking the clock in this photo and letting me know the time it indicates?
4:16
